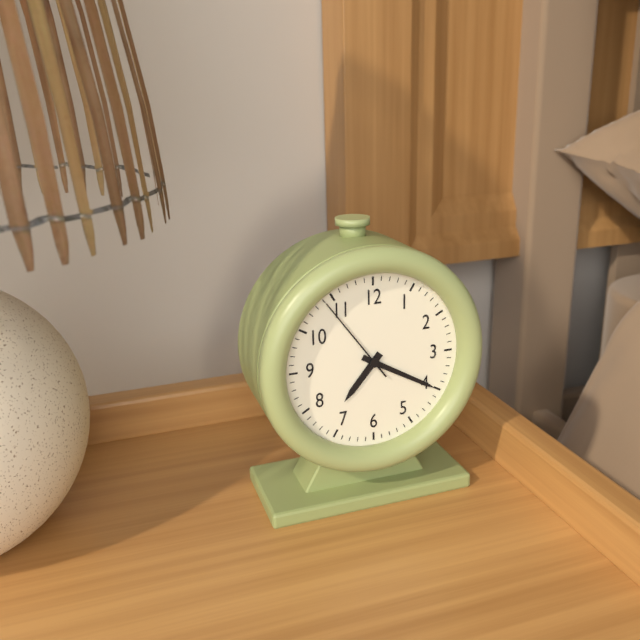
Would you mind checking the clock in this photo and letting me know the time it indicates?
7:20:54
